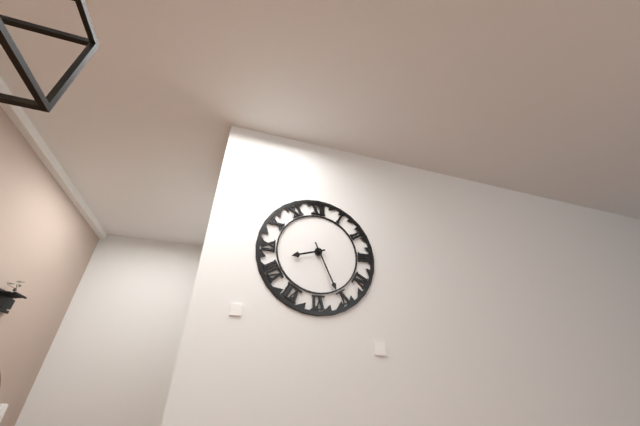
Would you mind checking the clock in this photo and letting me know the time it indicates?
8:26
